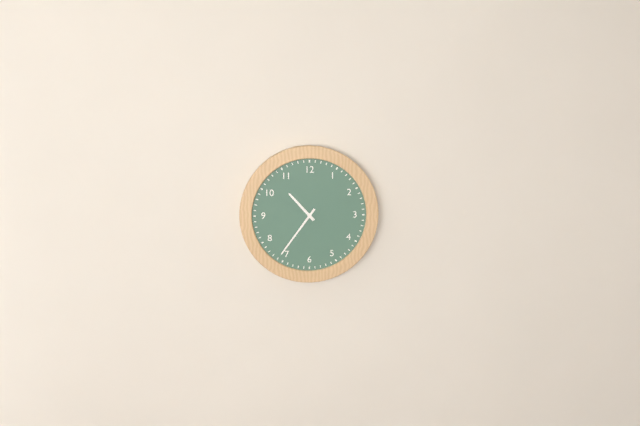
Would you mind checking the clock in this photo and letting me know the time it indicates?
10:36
